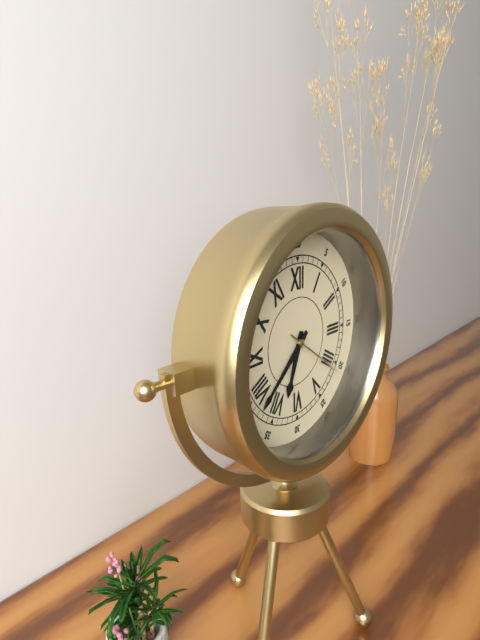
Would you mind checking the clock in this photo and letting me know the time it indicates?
6:38:21
